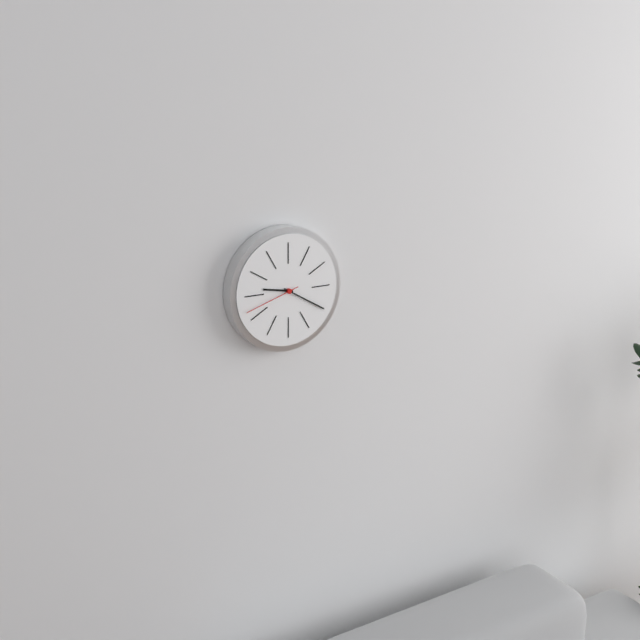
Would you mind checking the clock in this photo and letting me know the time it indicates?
9:20:42
